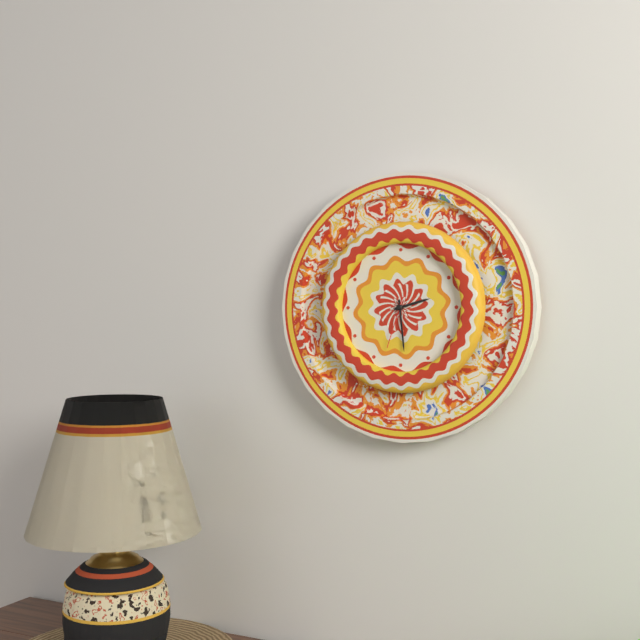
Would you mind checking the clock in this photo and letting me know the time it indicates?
2:29:33
